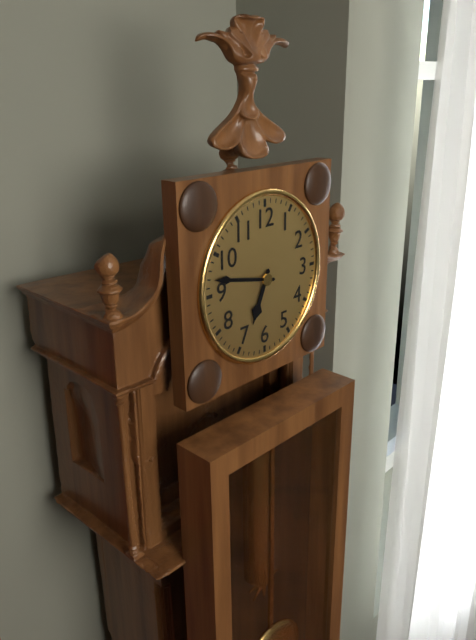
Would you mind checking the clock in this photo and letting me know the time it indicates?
6:47
